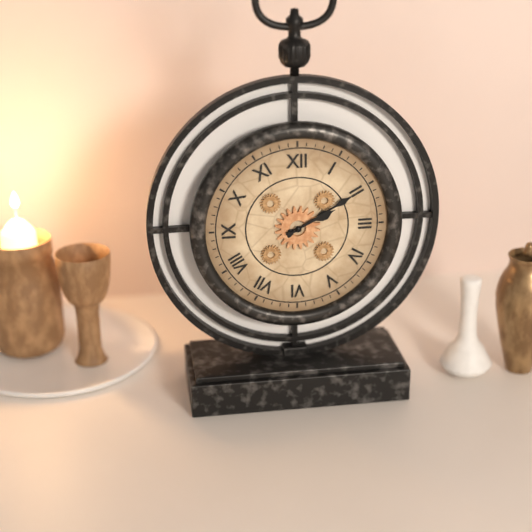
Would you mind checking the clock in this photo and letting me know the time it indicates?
2:10
